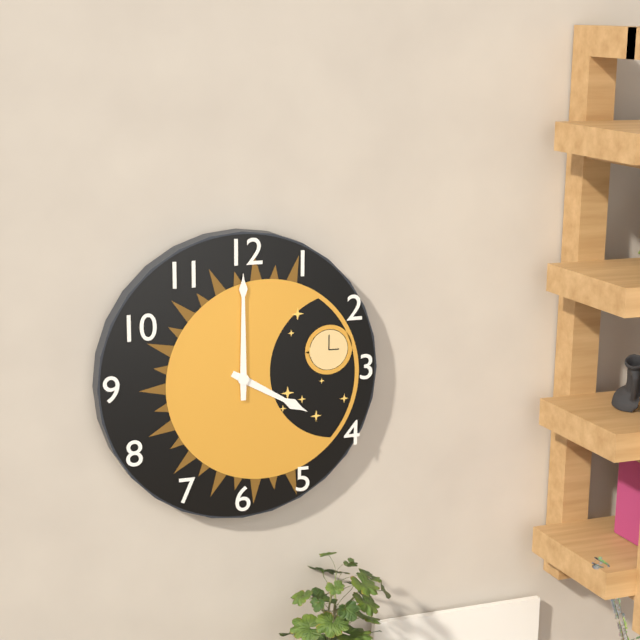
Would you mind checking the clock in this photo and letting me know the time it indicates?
4:00
